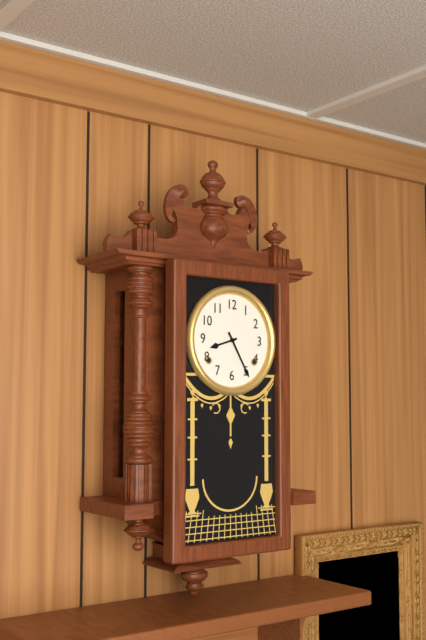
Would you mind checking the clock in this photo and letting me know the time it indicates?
8:25
